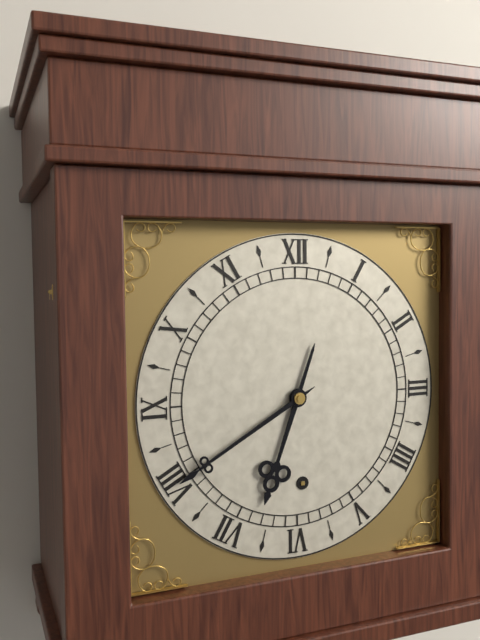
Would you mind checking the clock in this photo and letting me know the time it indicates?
6:40
